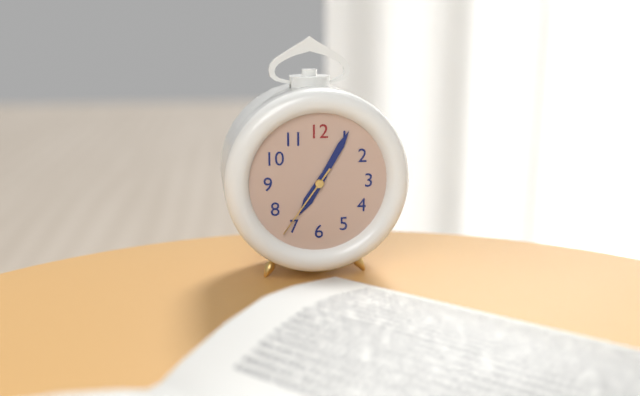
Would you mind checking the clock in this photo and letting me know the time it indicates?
7:05:36
